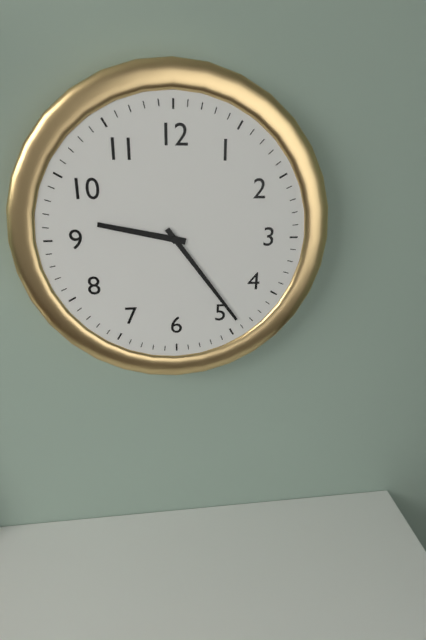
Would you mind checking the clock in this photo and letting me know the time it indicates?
9:24
